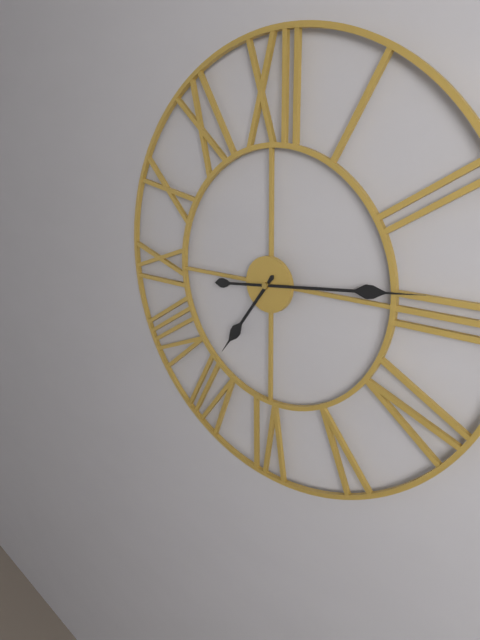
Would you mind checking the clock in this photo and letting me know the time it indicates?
7:14
